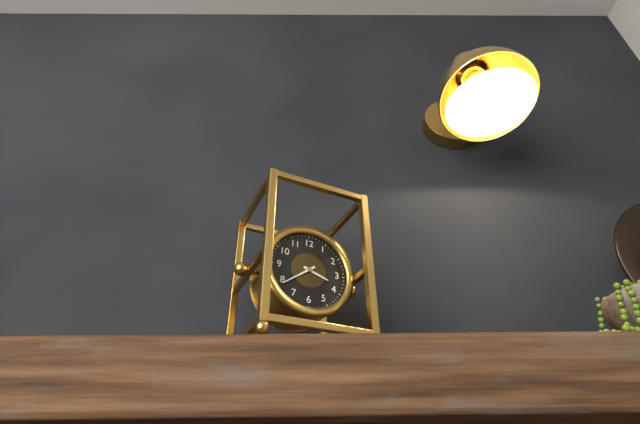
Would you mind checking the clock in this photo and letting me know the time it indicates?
3:39
